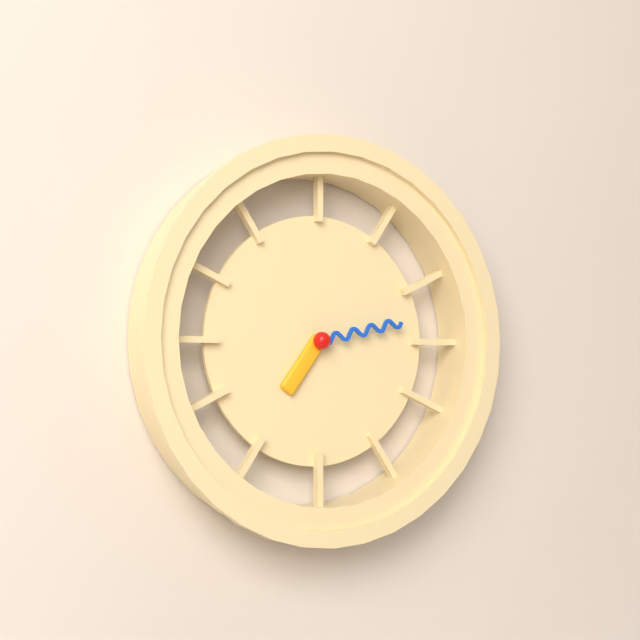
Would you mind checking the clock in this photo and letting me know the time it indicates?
7:13
